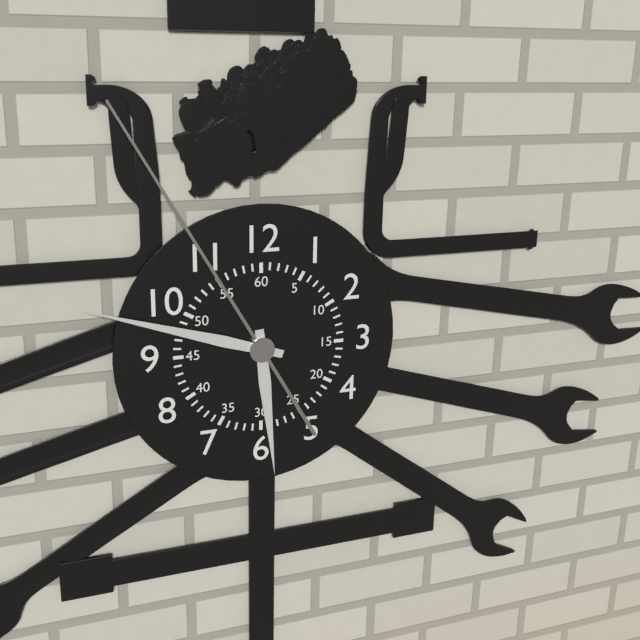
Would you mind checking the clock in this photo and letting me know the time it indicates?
5:48:55
